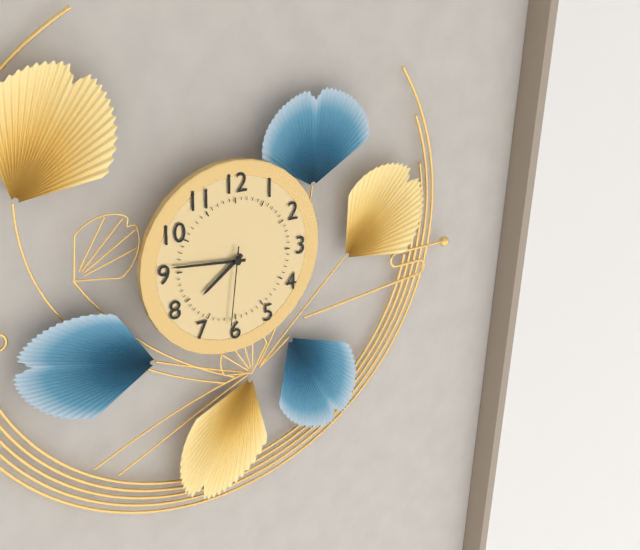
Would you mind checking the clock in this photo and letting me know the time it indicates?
7:46:31
